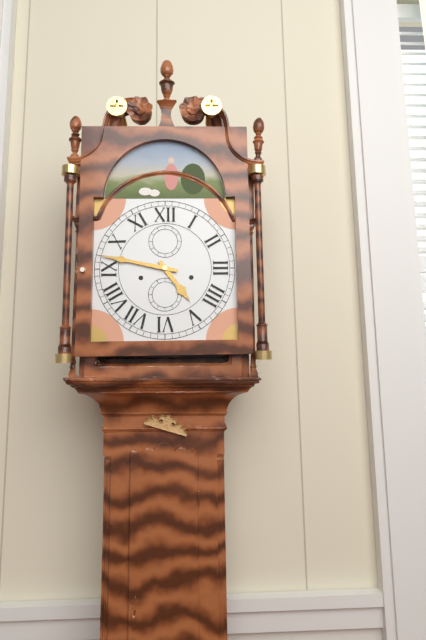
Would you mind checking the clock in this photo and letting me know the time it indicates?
4:47
